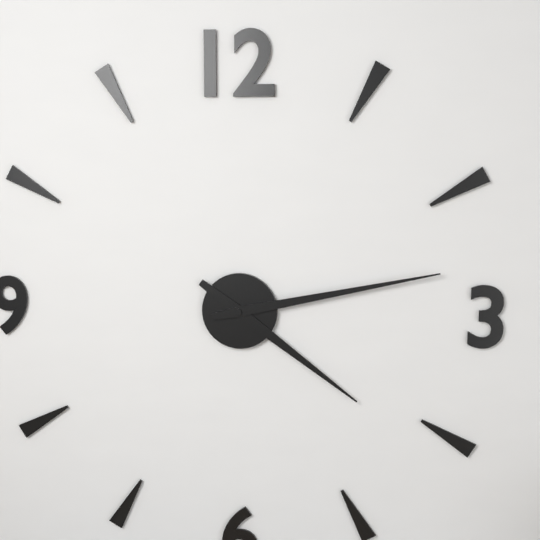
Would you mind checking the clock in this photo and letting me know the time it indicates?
4:13
